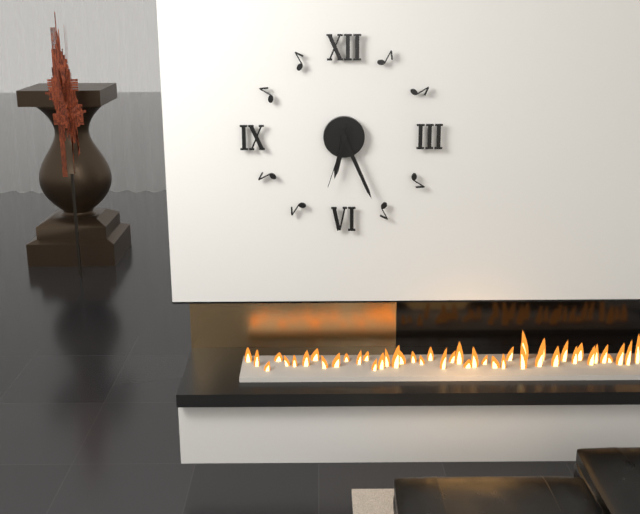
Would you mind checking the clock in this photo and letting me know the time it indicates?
6:26:33
